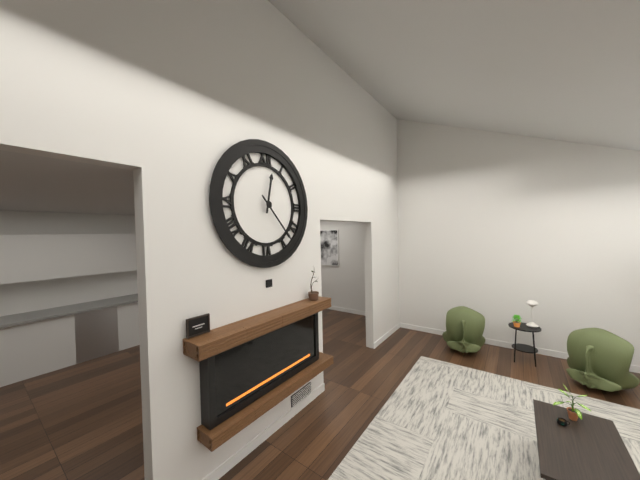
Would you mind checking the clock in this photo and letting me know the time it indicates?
12:23
